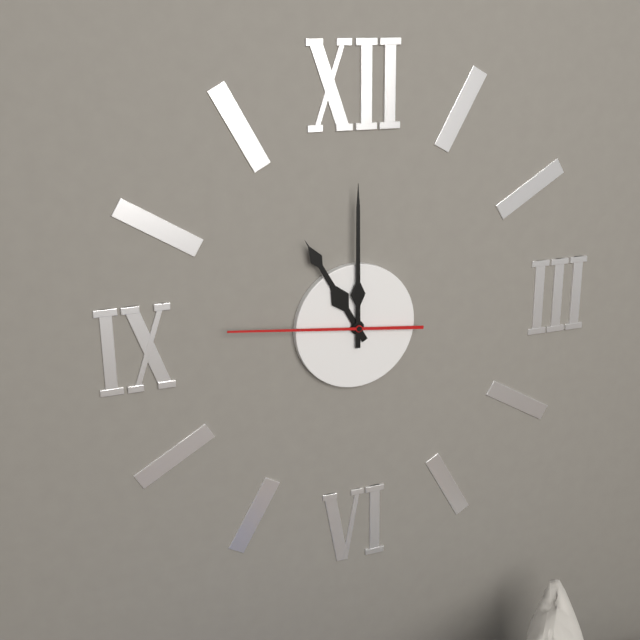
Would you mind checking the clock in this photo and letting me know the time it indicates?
11:00:46
